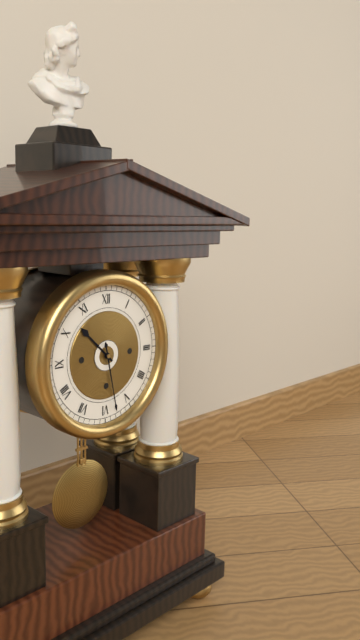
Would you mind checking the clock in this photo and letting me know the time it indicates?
10:28
